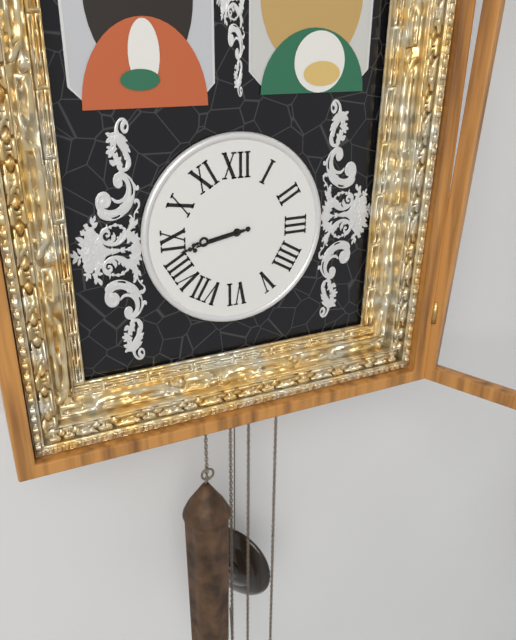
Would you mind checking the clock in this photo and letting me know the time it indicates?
8:43
